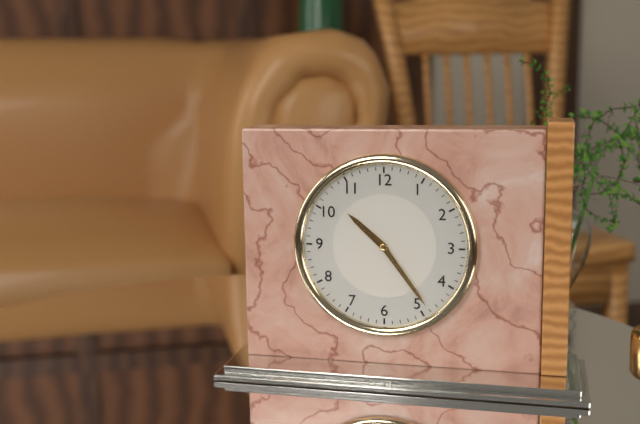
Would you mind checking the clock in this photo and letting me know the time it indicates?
10:24
